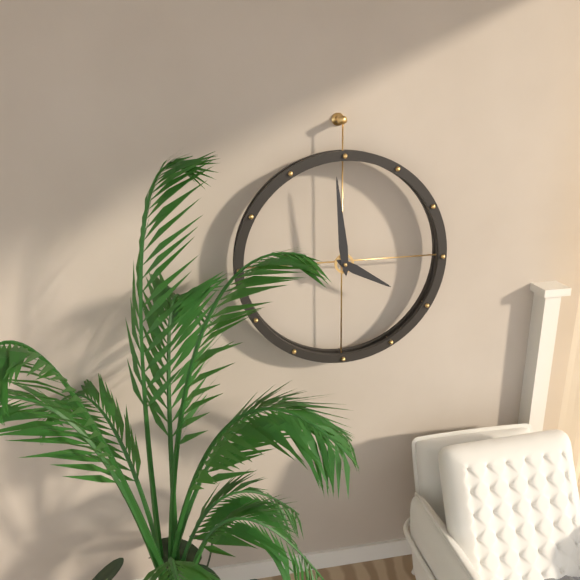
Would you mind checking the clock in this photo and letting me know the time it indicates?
3:59
